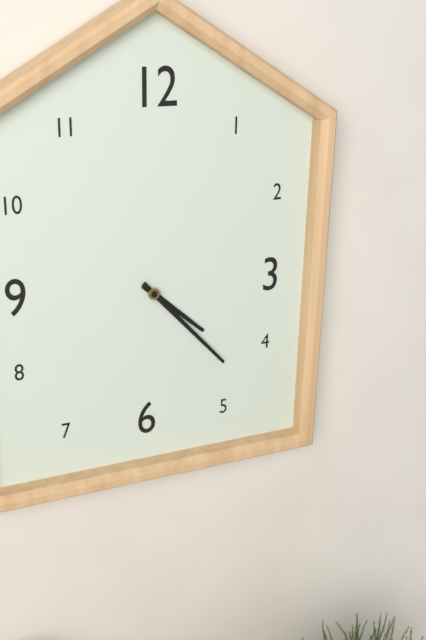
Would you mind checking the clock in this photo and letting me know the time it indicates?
4:23
